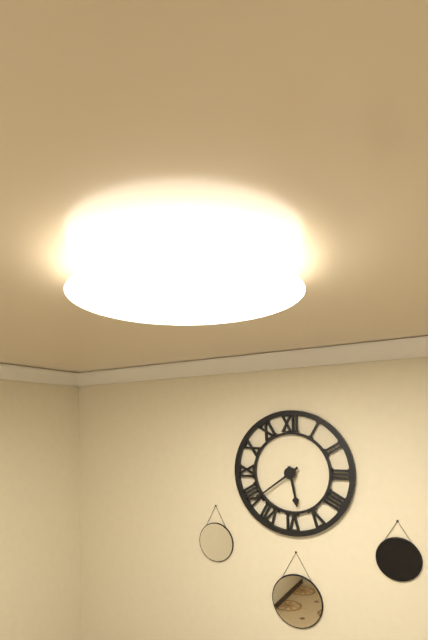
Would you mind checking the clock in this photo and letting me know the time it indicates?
5:39
